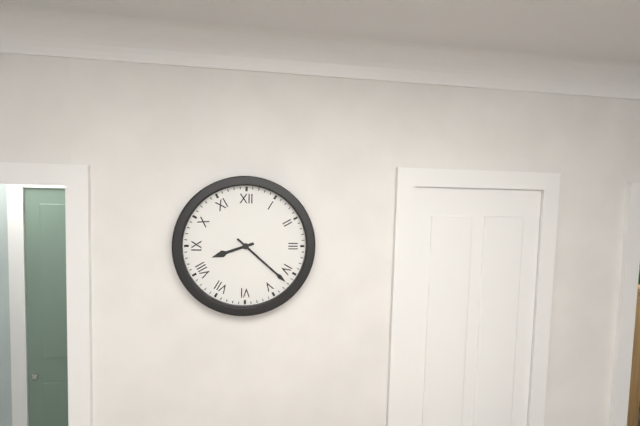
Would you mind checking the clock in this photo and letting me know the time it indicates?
8:22
